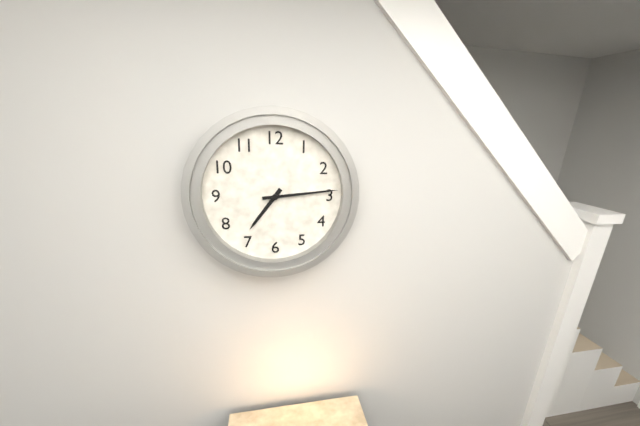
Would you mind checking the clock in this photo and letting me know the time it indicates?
7:14
